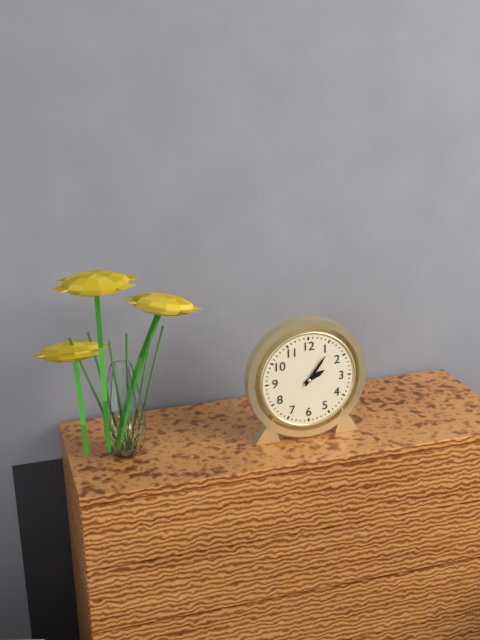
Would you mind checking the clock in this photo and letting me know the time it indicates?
2:06
